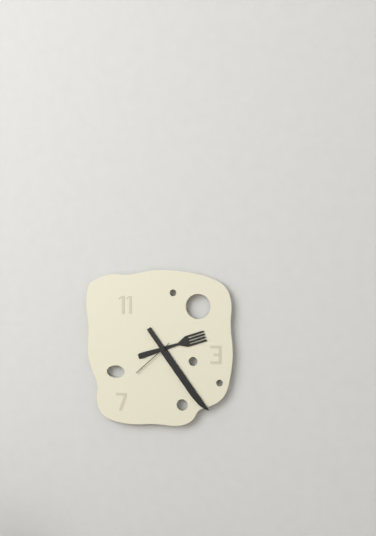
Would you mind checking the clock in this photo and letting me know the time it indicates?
2:24
